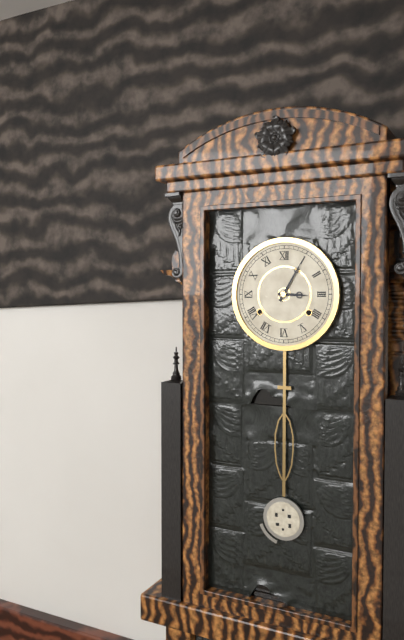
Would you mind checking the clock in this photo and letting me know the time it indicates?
3:05
